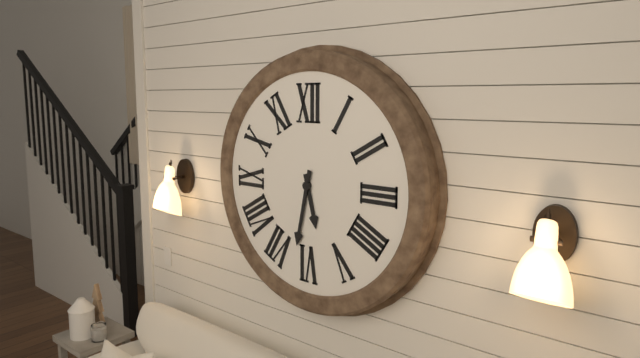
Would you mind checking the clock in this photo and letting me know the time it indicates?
5:32
